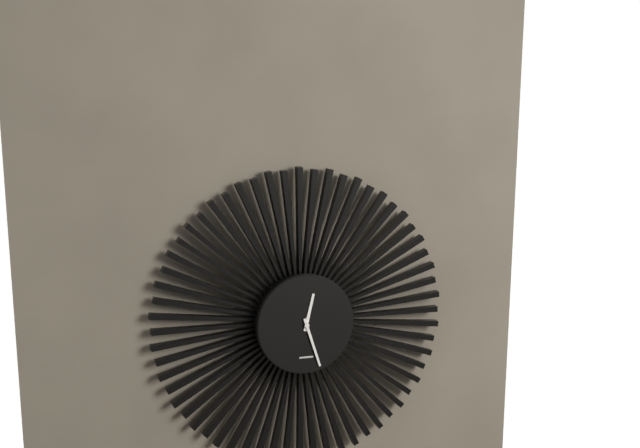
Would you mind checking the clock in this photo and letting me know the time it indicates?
12:27
